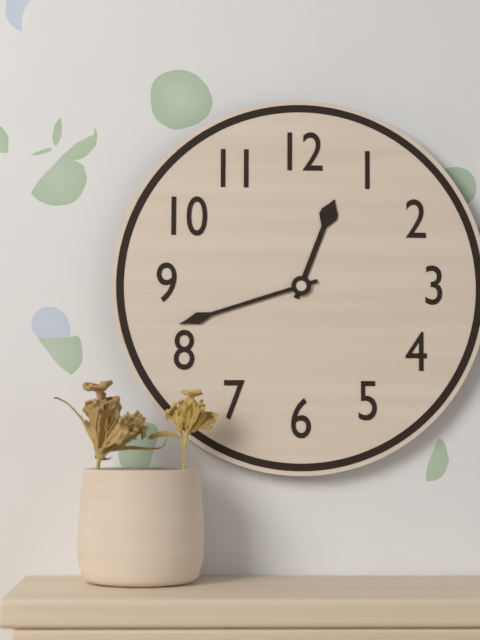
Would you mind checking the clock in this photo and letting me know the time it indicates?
12:42
